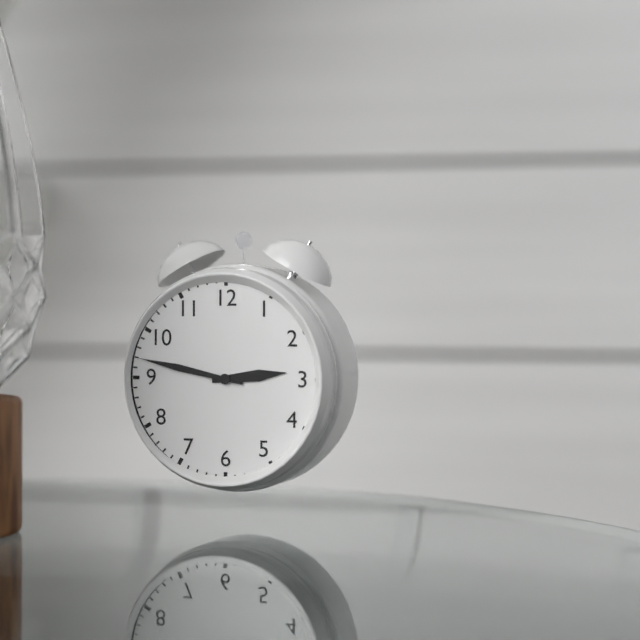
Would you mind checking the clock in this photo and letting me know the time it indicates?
2:47
